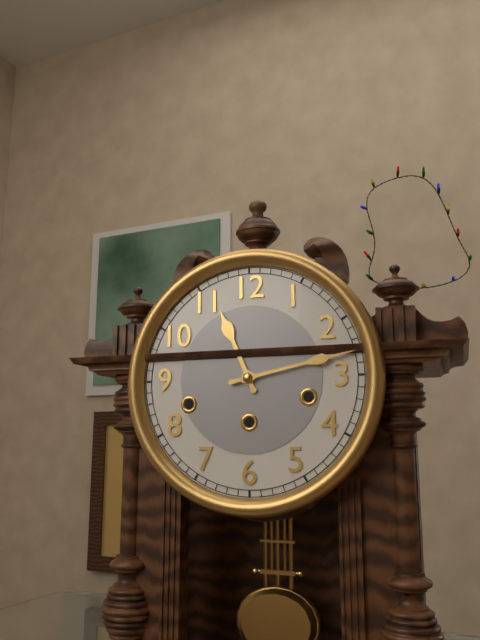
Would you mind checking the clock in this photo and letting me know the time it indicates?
11:13
